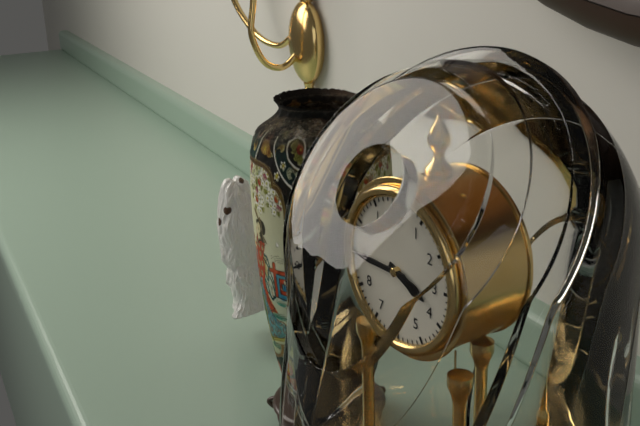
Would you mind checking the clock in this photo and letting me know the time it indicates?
3:45
